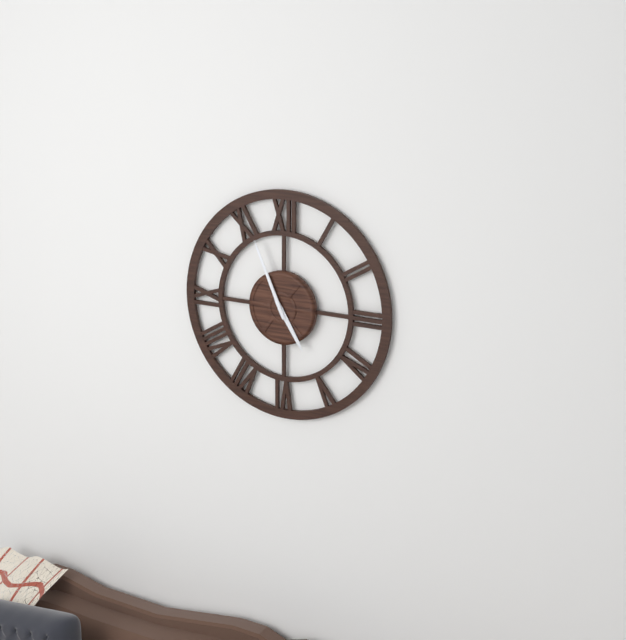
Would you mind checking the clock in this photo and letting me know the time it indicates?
4:56
